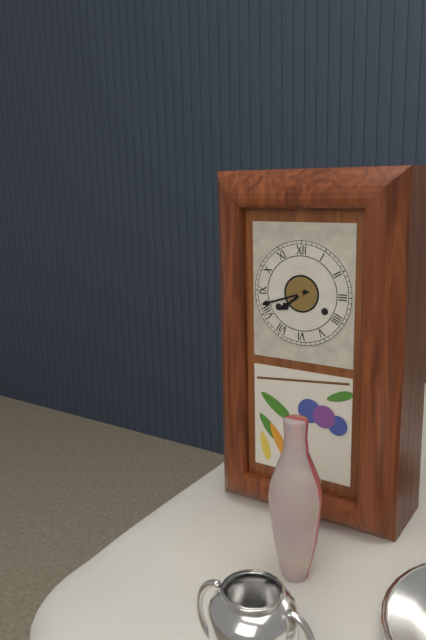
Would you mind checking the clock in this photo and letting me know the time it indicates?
7:42
